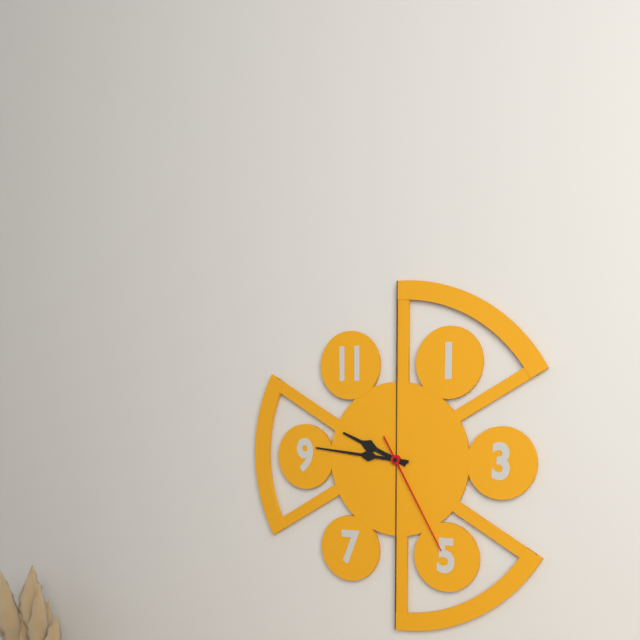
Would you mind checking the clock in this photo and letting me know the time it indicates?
9:46:25
